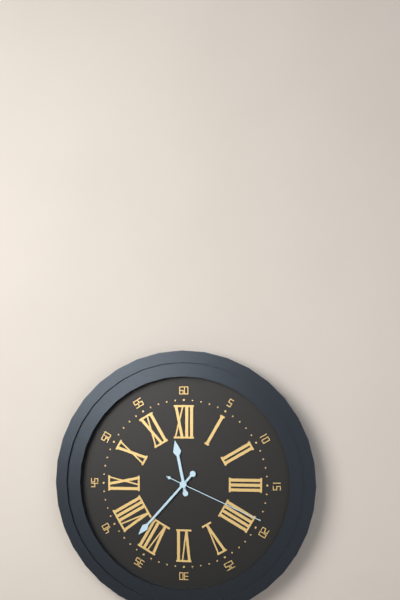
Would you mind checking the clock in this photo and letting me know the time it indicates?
11:37:19
